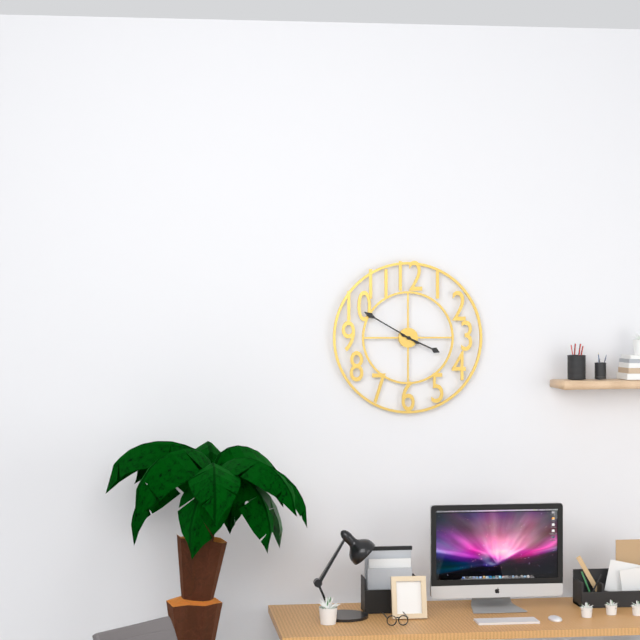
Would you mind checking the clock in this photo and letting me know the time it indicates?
3:50
